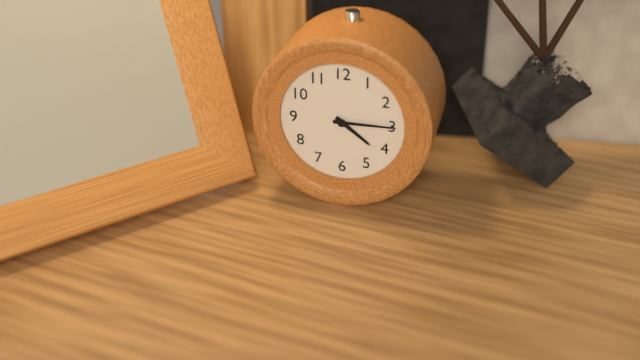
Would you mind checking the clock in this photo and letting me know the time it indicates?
4:15
